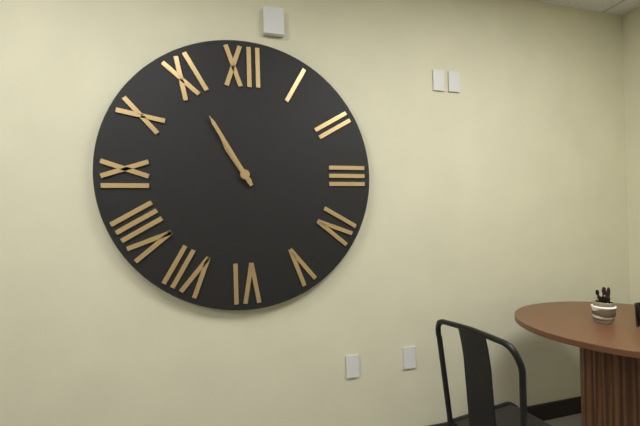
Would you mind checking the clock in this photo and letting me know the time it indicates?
10:55
